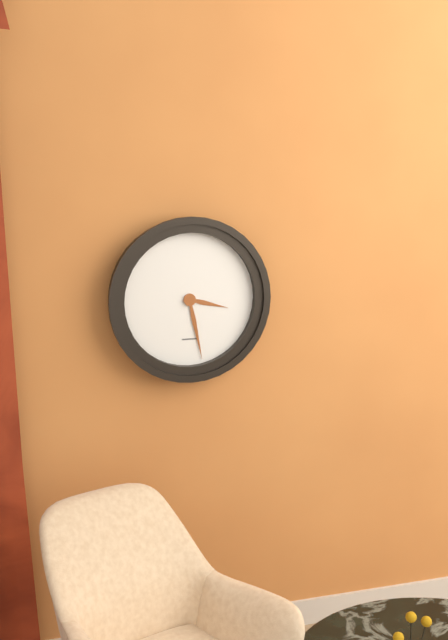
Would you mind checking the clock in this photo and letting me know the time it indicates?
3:28
